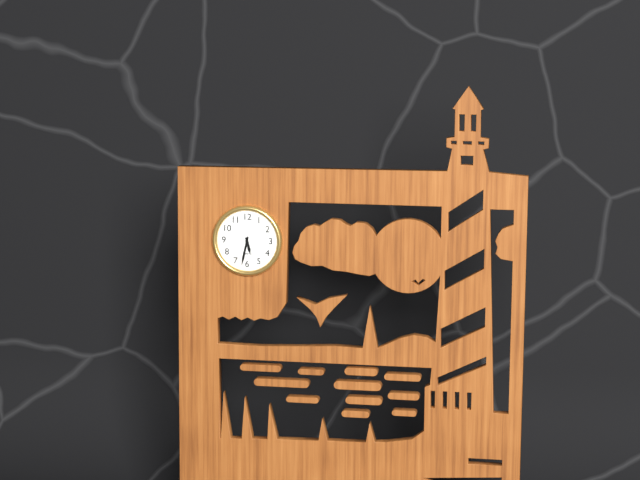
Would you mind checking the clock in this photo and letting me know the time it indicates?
5:32
